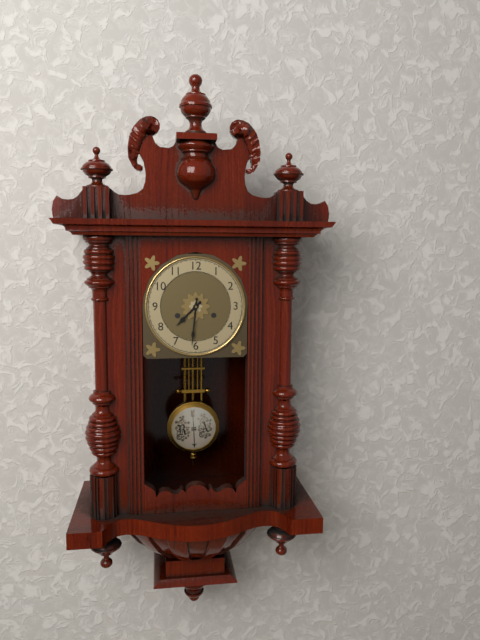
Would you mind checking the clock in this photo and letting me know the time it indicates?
7:31
